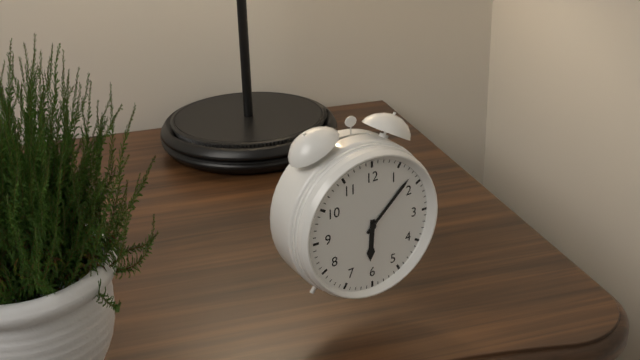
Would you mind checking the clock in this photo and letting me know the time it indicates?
6:08
